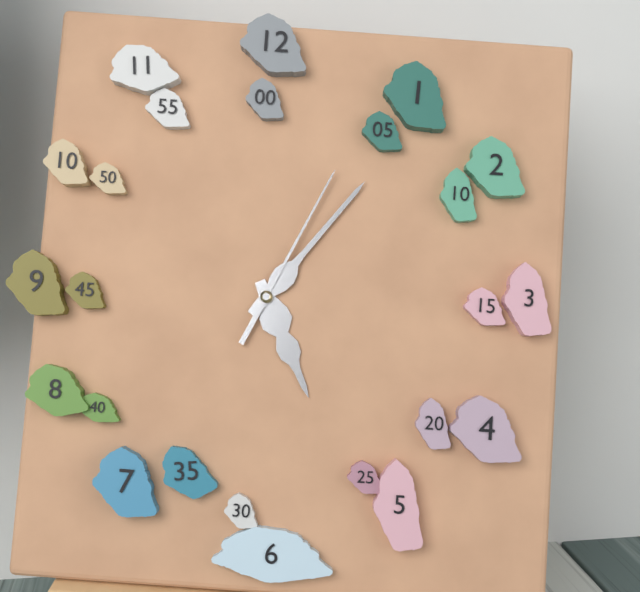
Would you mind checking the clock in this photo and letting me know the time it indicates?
5:06:04
